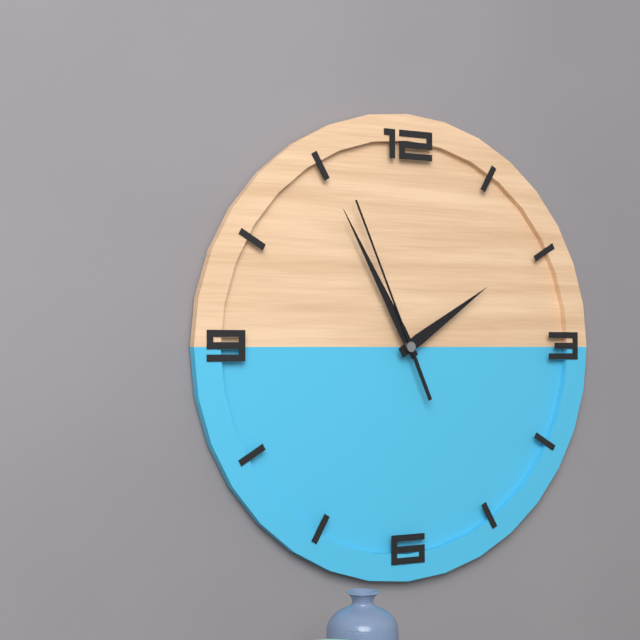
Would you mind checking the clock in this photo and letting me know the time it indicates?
1:55:56
